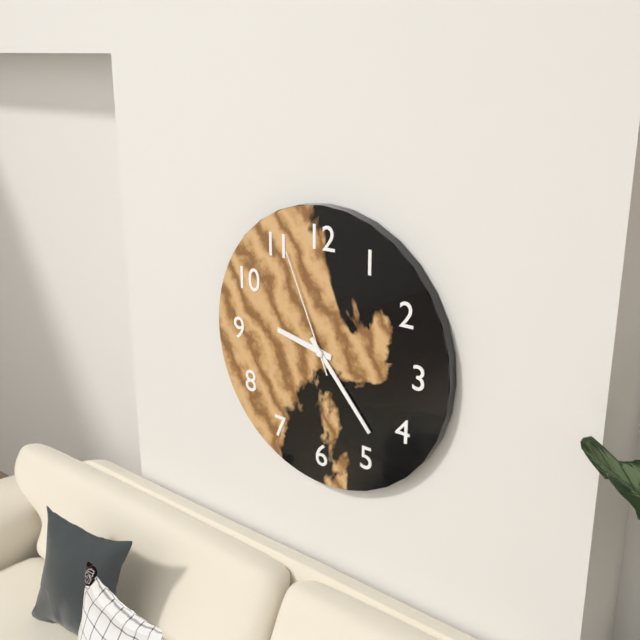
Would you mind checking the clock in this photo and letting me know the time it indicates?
9:23:56
